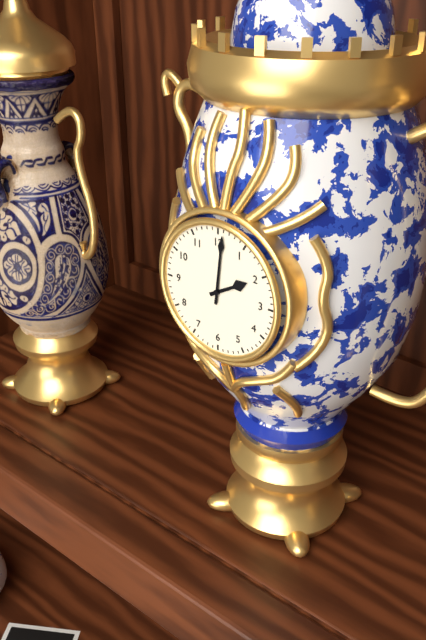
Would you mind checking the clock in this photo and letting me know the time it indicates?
2:01
